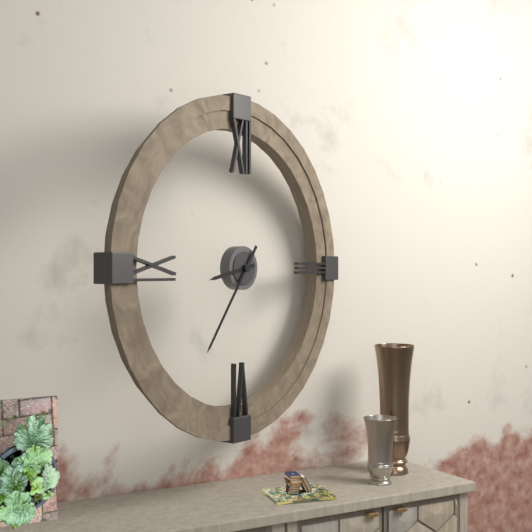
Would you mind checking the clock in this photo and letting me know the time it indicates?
8:36
